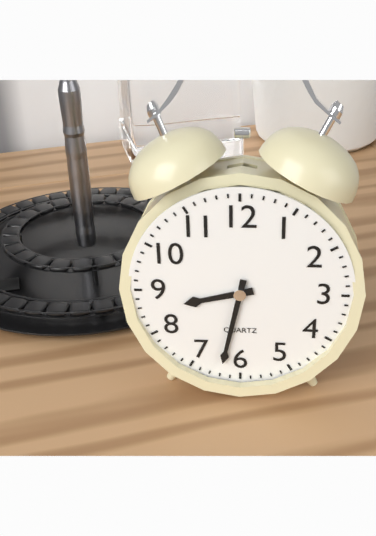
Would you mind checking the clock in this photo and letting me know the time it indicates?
8:32
